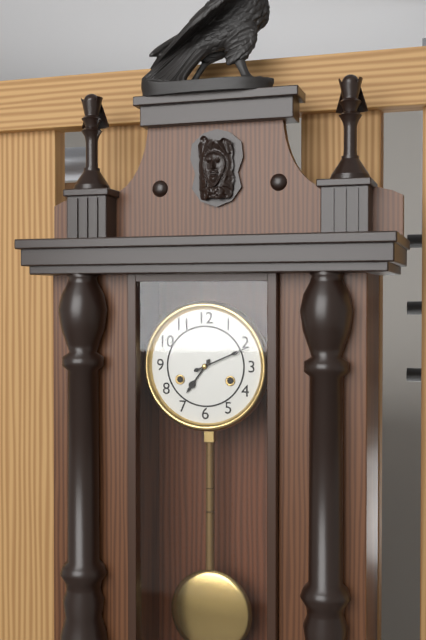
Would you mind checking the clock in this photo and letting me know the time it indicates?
7:11
